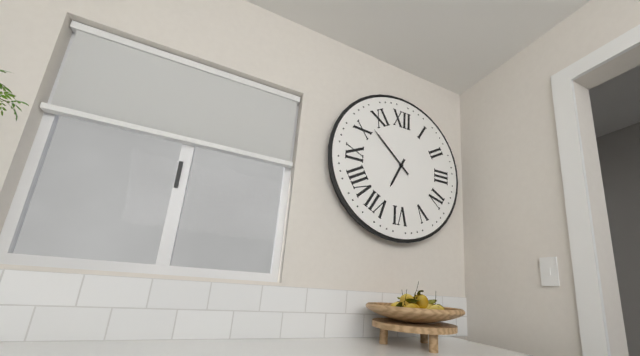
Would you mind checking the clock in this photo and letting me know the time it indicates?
6:52
